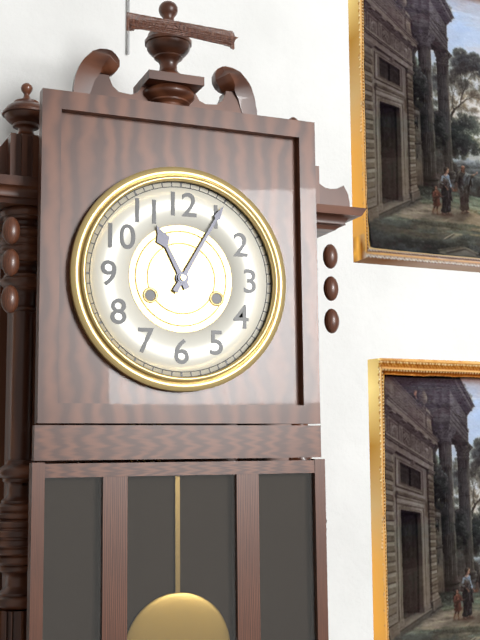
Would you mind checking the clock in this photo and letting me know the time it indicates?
11:05
